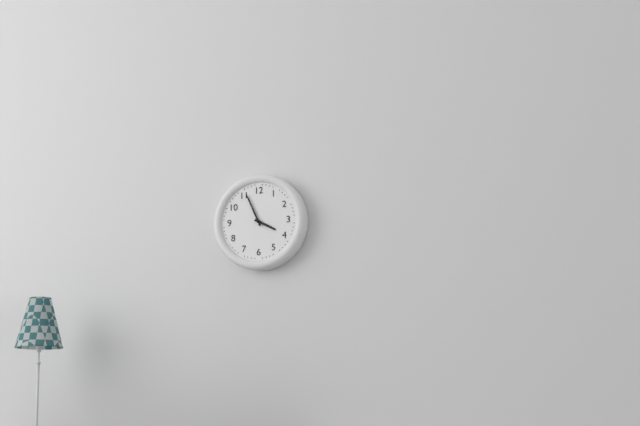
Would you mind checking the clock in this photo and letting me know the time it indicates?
3:56
